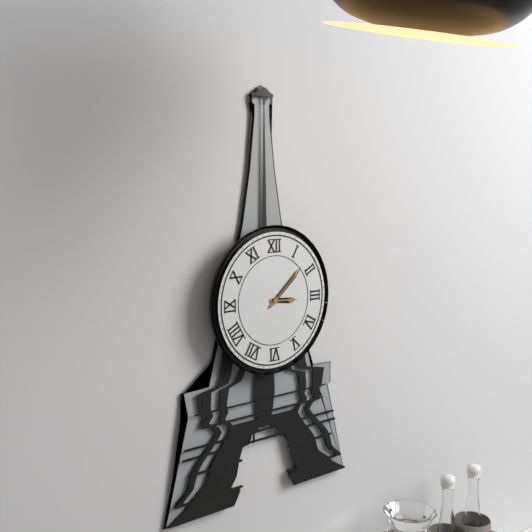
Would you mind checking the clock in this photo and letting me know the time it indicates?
3:08
